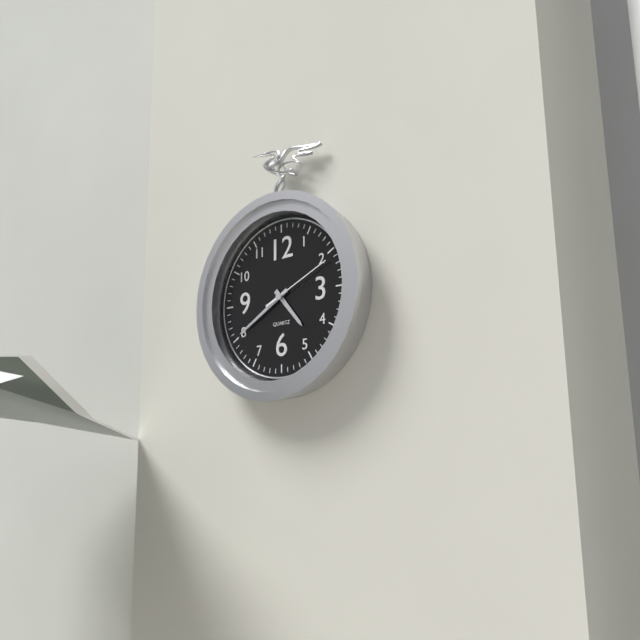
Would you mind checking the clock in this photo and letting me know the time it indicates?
4:40:11
